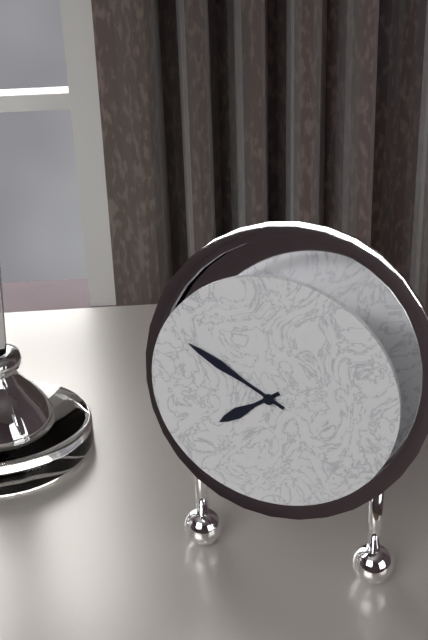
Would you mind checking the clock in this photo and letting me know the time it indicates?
7:50
